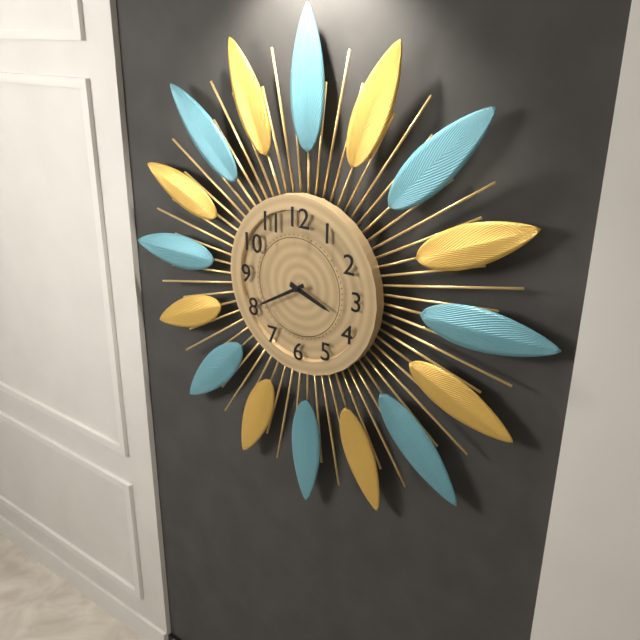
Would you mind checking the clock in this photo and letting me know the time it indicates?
3:40
